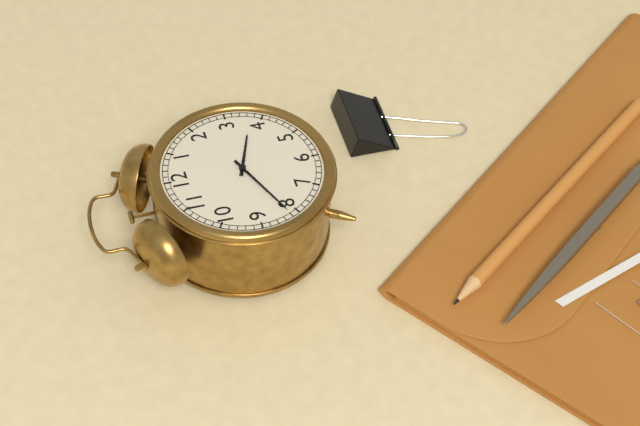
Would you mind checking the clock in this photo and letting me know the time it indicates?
3:41
